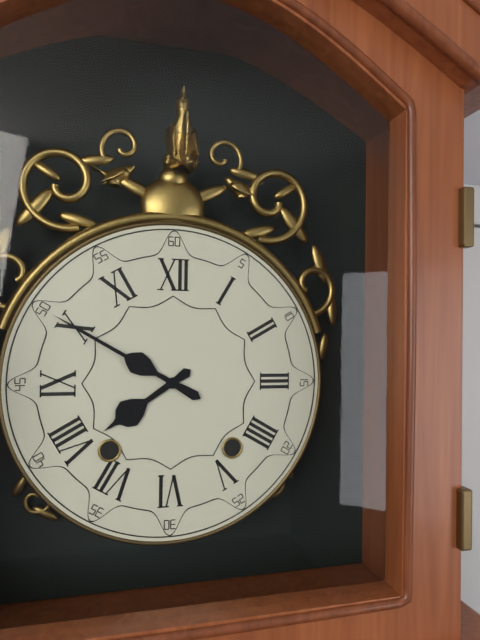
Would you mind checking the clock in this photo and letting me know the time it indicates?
7:50
